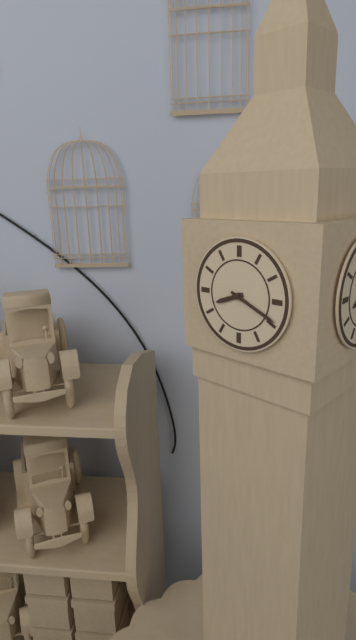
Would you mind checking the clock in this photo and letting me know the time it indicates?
8:19
